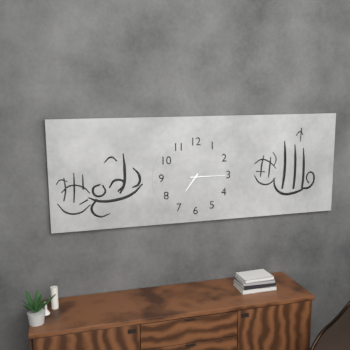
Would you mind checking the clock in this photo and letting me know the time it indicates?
7:15
